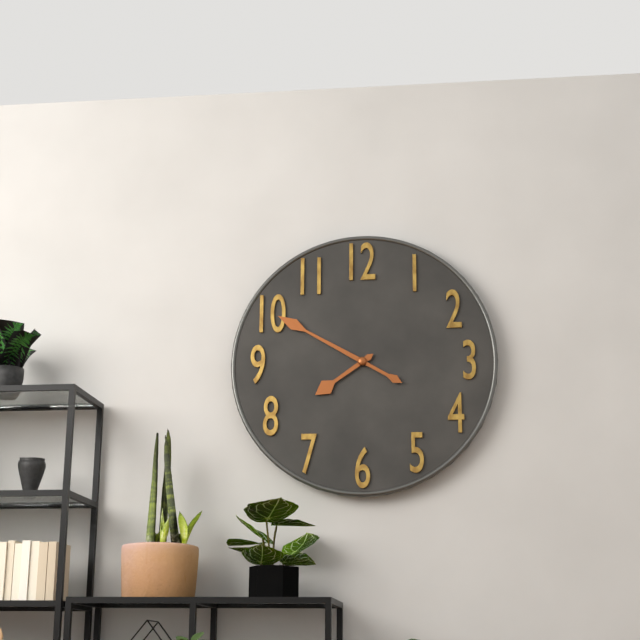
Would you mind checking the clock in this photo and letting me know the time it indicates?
7:50
